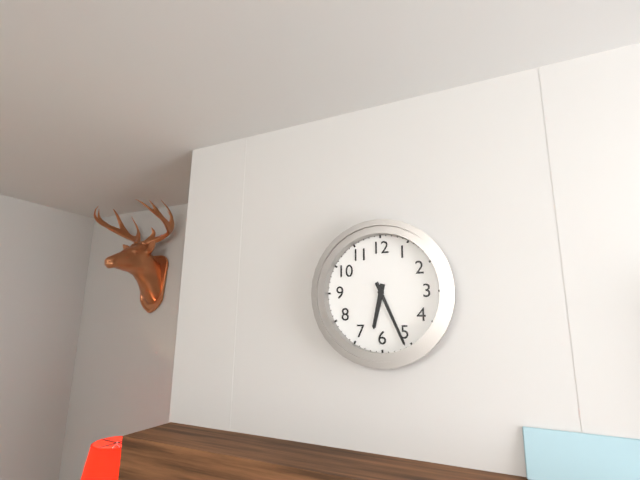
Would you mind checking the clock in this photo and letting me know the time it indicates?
6:26
